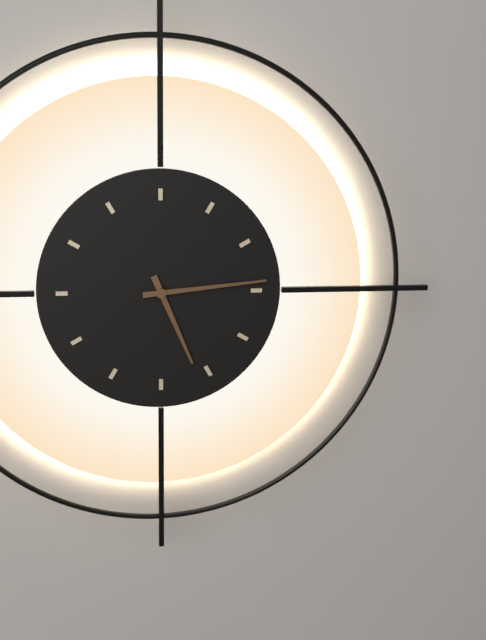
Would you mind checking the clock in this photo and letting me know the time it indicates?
5:14
